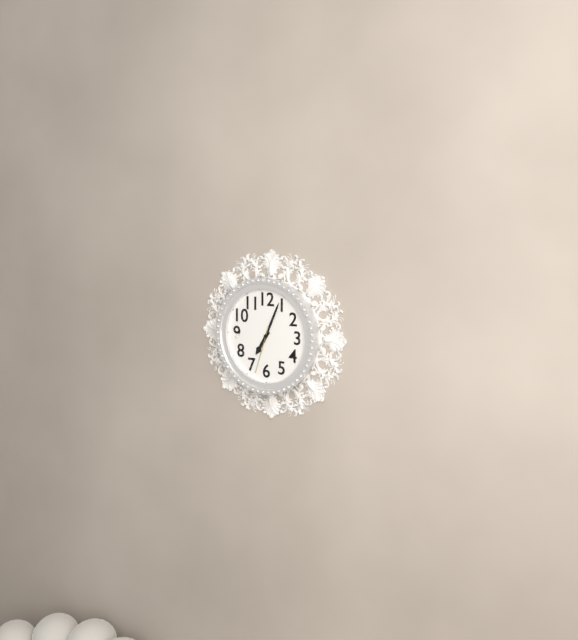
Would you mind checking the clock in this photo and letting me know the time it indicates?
7:04
